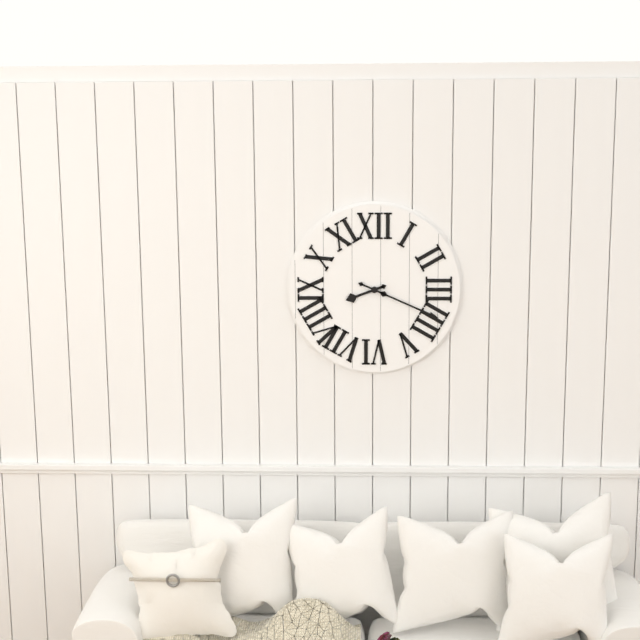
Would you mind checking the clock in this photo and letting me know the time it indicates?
8:19
